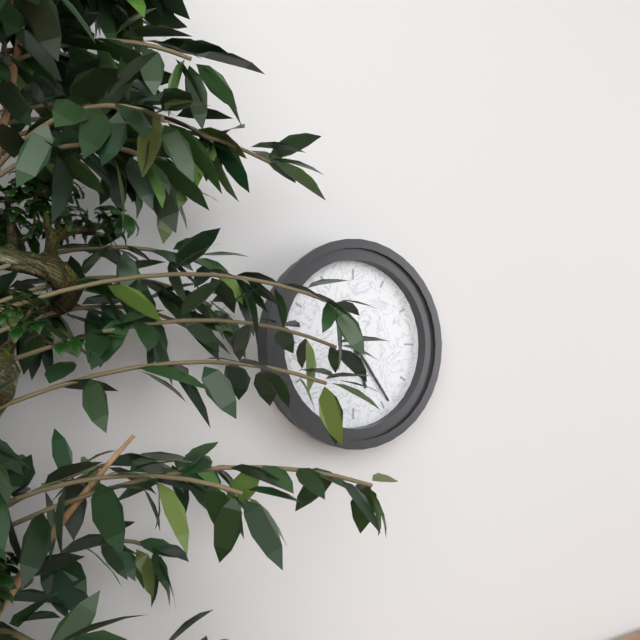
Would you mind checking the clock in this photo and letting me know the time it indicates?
5:24
